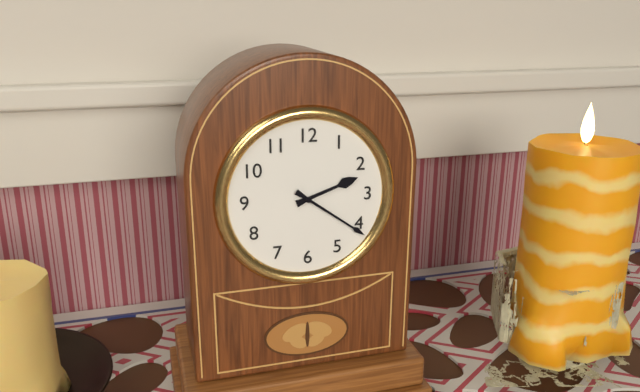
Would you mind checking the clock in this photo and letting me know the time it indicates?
2:21
